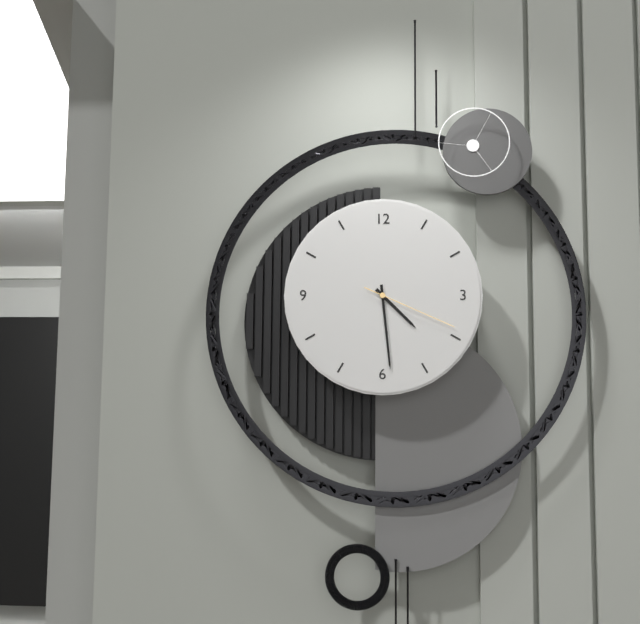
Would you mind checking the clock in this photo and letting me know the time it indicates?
4:29:19
